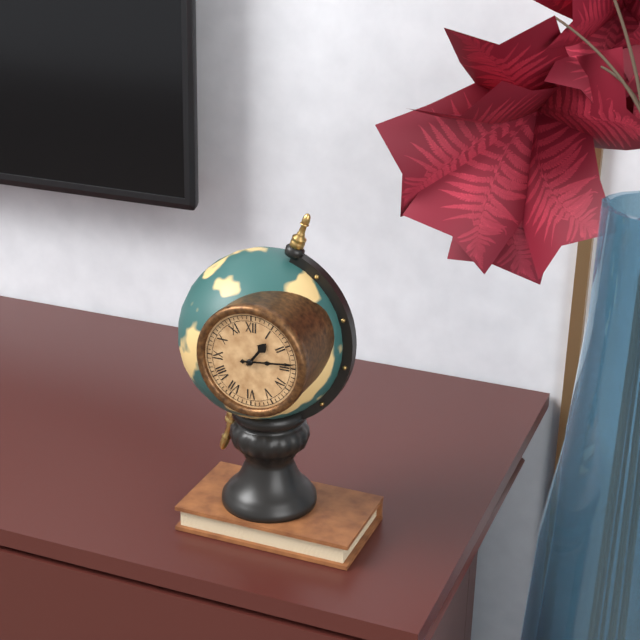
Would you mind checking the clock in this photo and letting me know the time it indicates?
1:14
